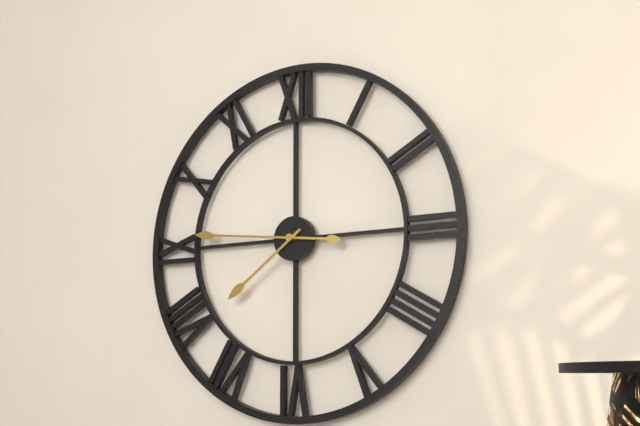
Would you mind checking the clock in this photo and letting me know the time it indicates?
7:46
